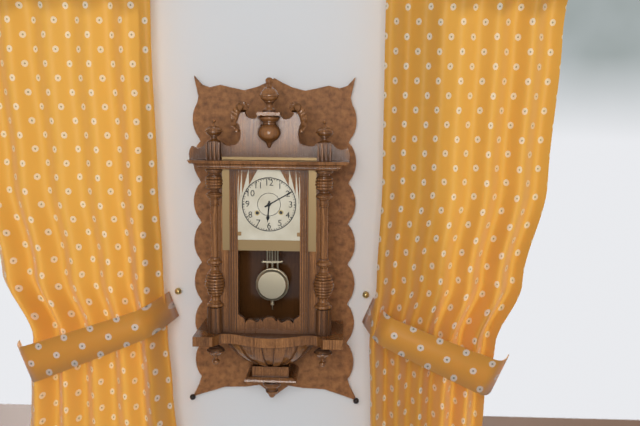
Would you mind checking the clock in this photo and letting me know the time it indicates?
6:10
